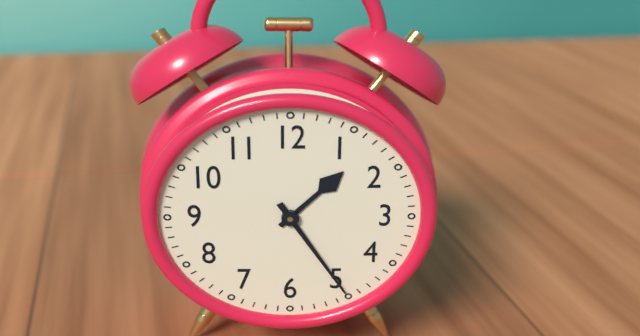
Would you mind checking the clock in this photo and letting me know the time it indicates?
1:25
